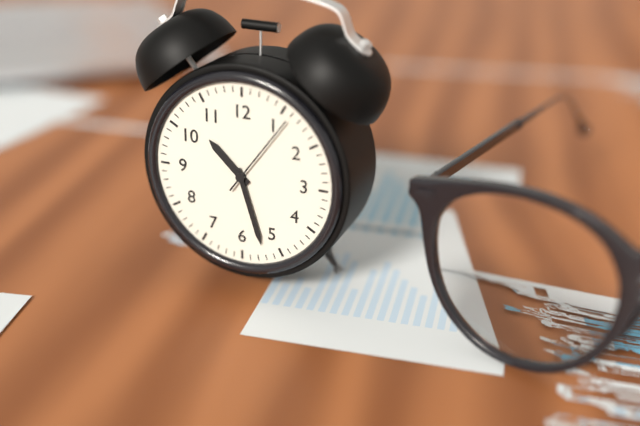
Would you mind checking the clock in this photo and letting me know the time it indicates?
10:27:06
